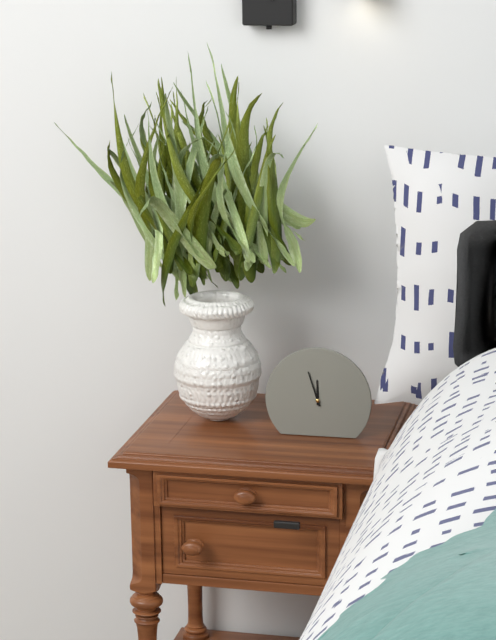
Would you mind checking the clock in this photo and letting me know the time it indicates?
11:57
